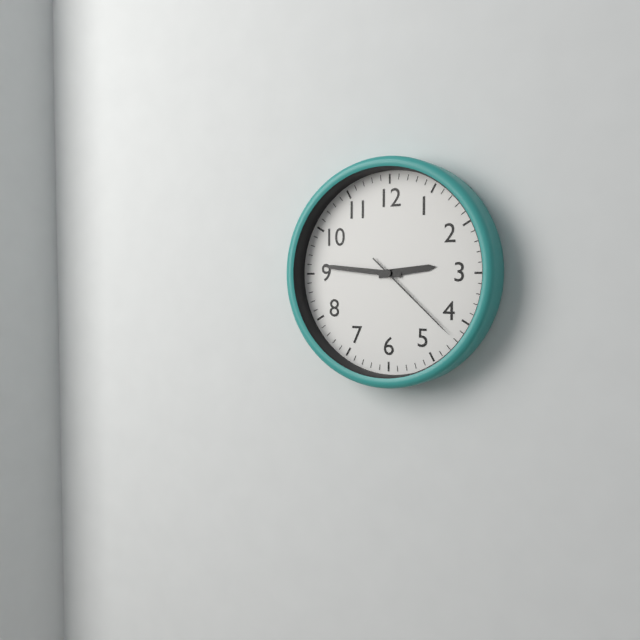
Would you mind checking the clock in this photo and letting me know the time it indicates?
2:46:22
